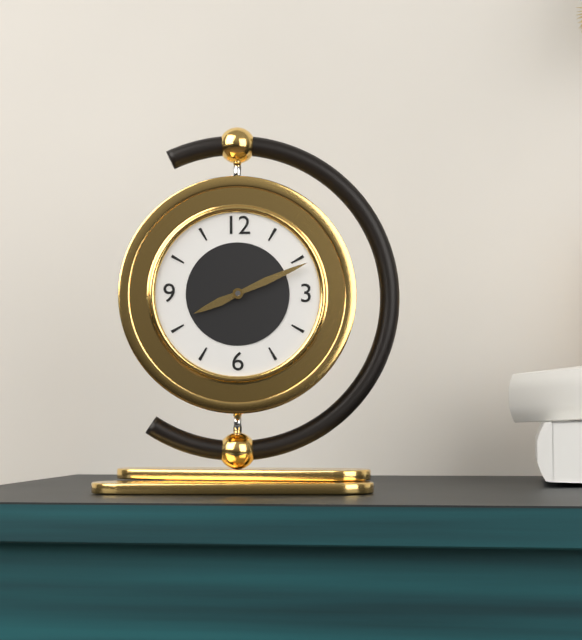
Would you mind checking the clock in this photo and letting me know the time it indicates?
8:11
